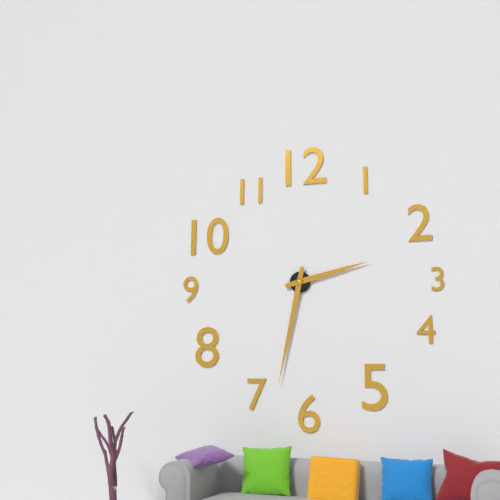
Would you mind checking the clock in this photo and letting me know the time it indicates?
2:32
